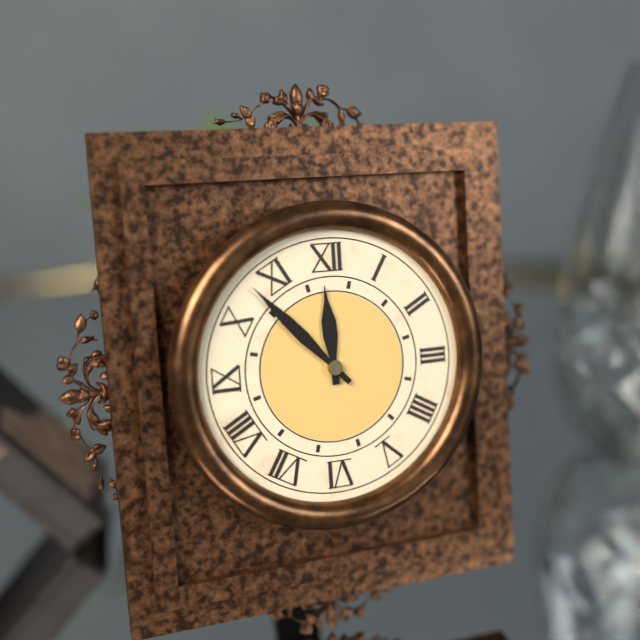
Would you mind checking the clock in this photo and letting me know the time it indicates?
11:53
